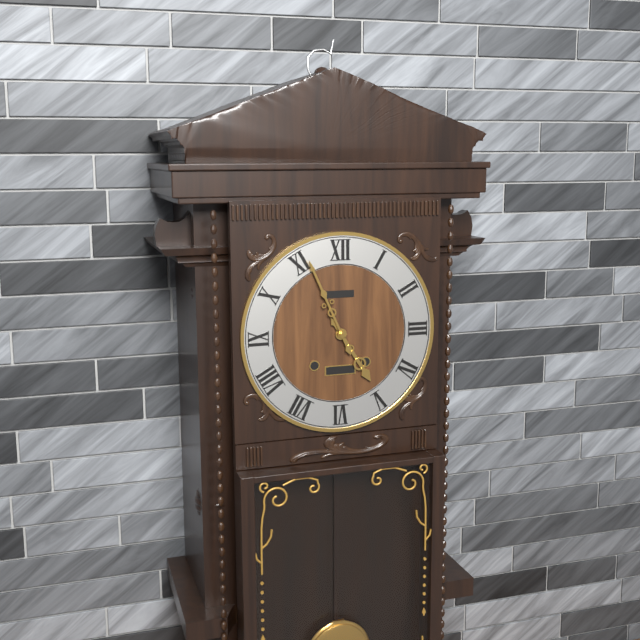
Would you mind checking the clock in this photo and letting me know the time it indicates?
4:56
